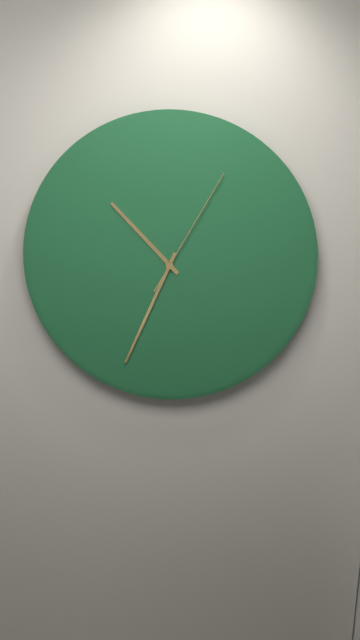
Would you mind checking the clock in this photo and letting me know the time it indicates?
10:34:05
